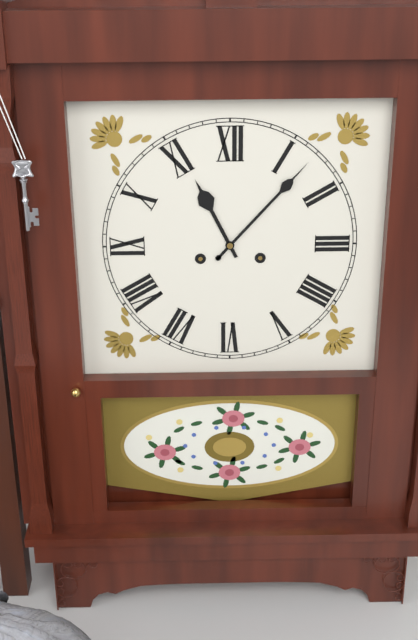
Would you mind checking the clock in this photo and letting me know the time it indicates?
11:07
